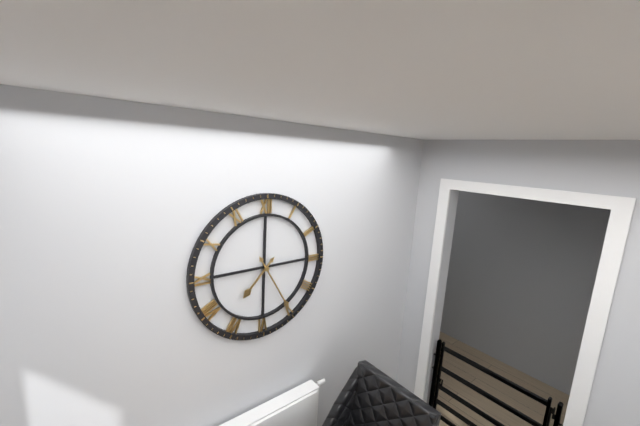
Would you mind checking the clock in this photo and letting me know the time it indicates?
7:25
